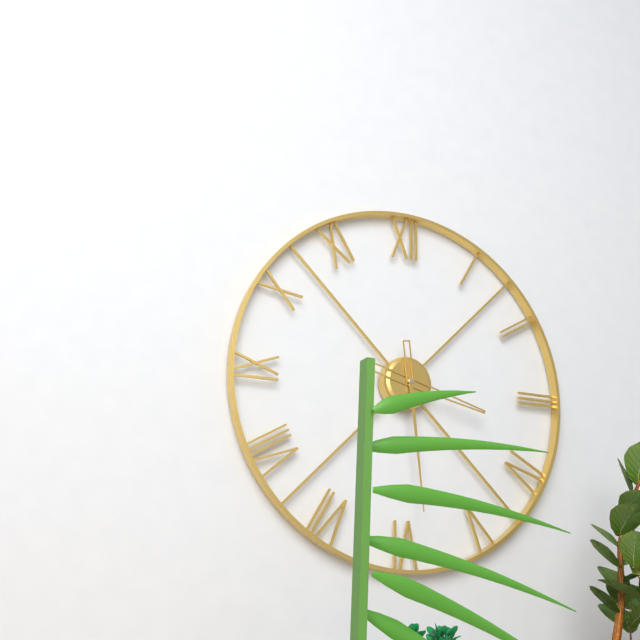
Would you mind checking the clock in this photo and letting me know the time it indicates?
3:29
